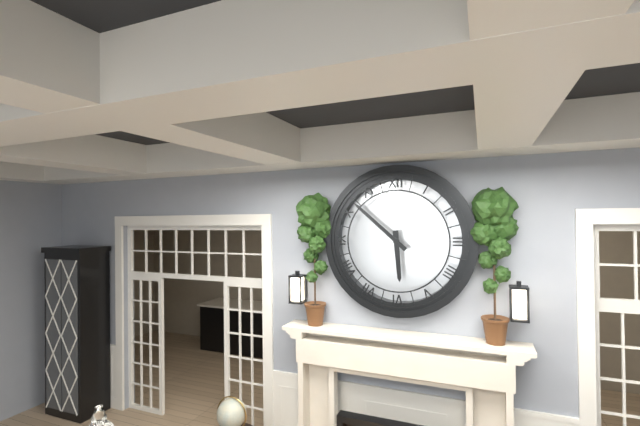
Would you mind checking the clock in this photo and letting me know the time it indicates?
5:52
